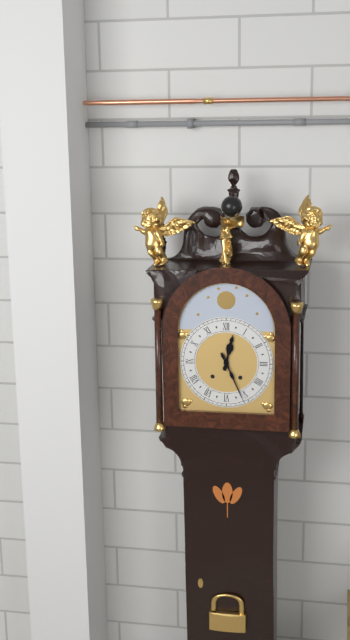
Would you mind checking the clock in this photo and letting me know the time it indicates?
12:26
